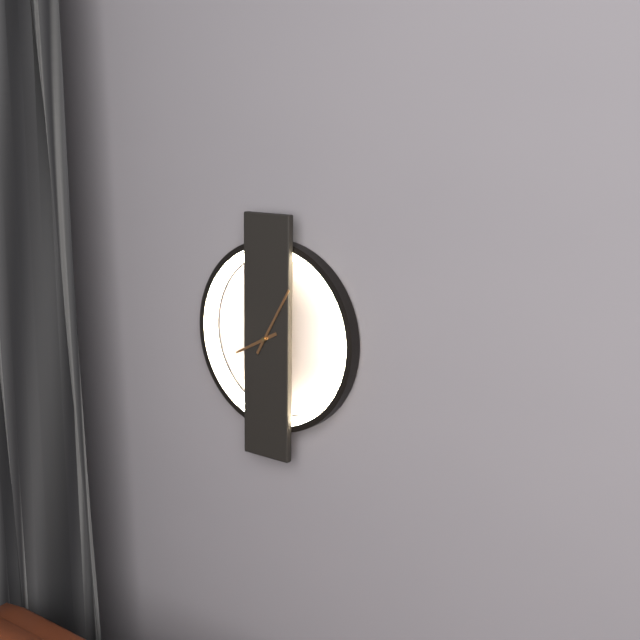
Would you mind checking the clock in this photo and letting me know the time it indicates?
8:05
